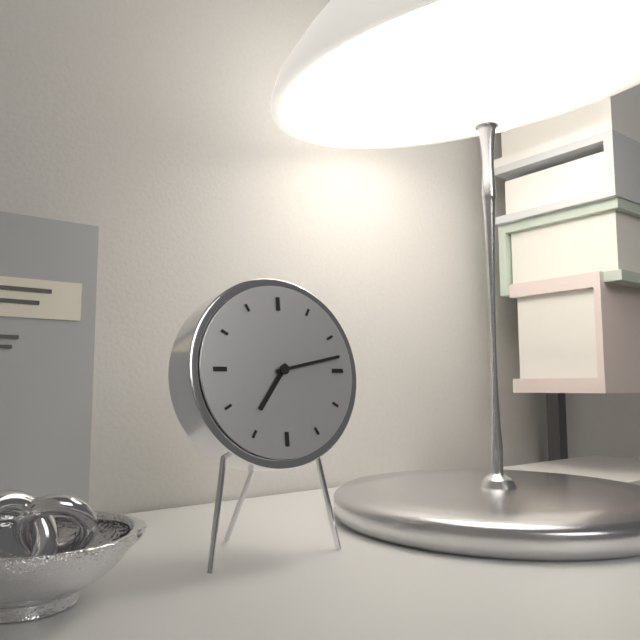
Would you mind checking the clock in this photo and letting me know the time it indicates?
7:13
